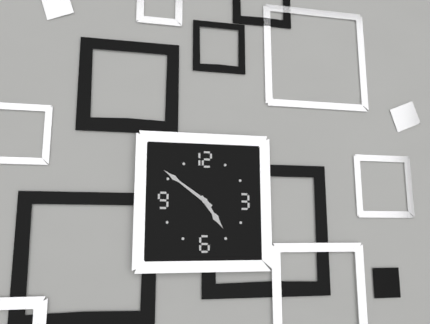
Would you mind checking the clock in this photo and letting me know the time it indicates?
4:51
